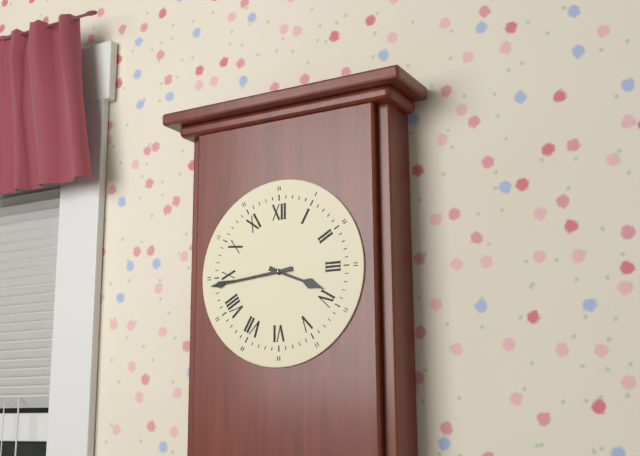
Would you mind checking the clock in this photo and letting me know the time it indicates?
3:44
